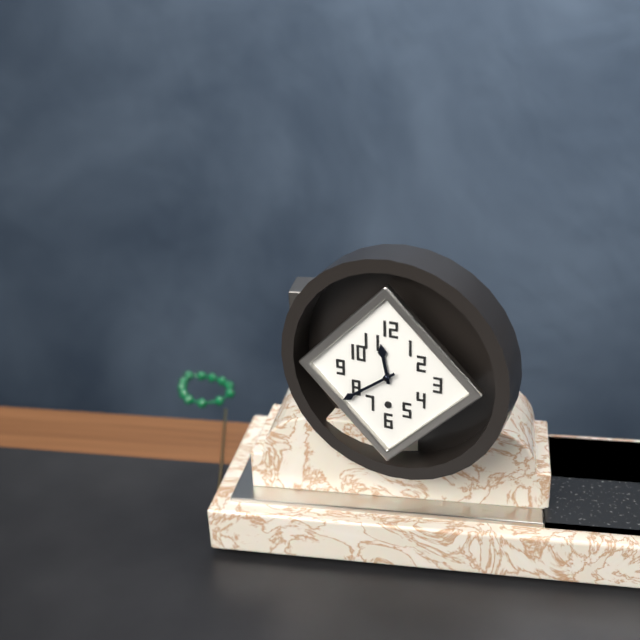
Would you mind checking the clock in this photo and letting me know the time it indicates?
11:39
